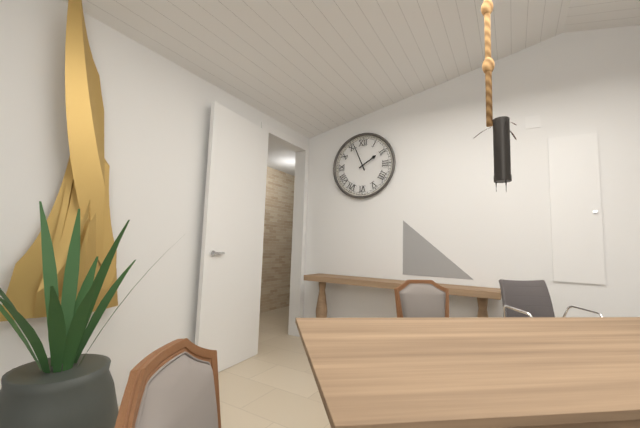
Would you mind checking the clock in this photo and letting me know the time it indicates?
1:56
